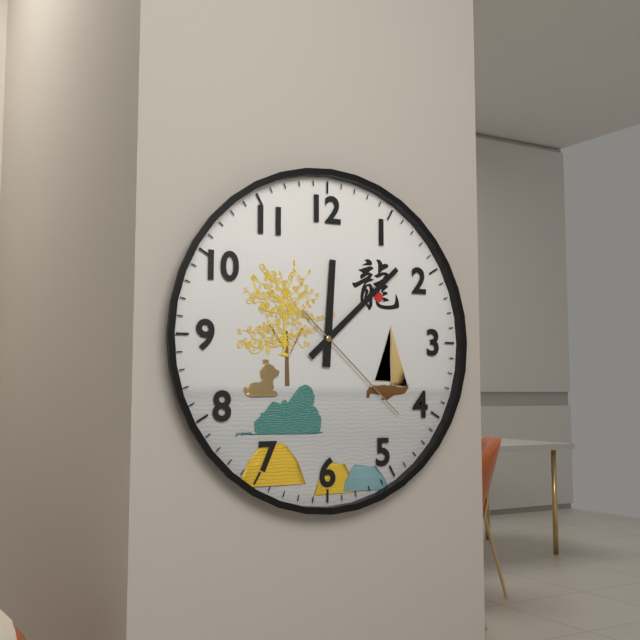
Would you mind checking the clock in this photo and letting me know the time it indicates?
12:08:22
